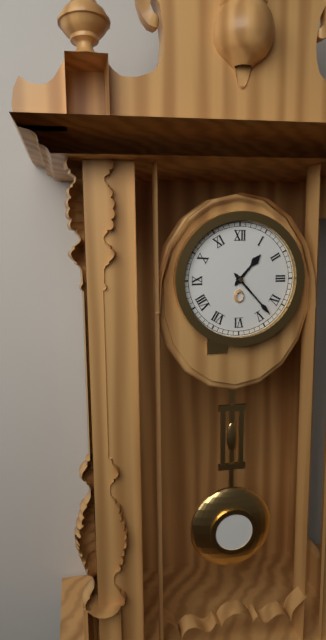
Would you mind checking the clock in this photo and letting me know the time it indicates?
1:23
